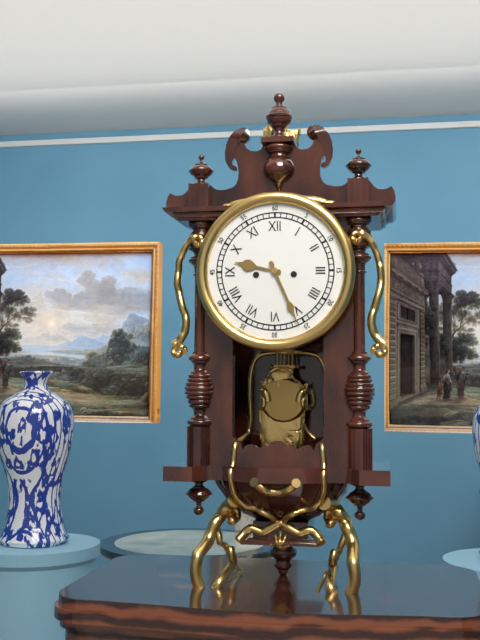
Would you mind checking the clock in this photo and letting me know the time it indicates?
9:26
